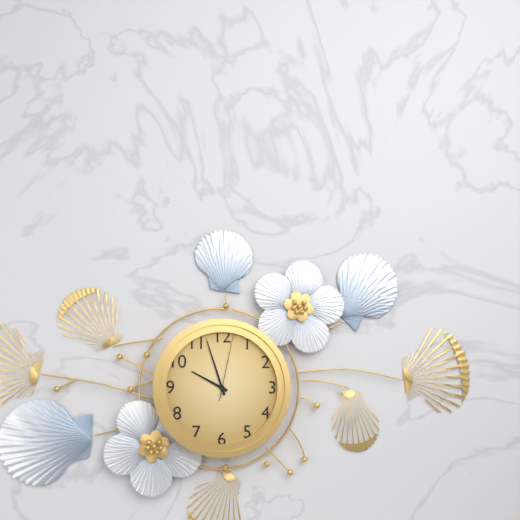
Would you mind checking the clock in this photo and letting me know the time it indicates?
9:57:02
